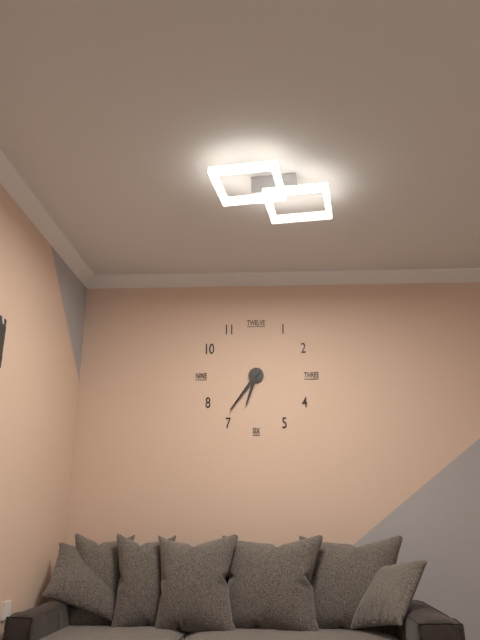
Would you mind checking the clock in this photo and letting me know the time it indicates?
6:36
